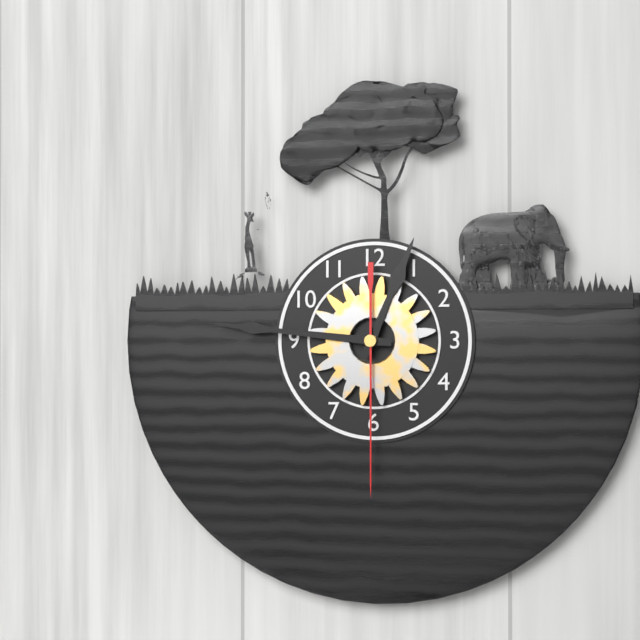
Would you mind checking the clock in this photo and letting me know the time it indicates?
12:46:30
